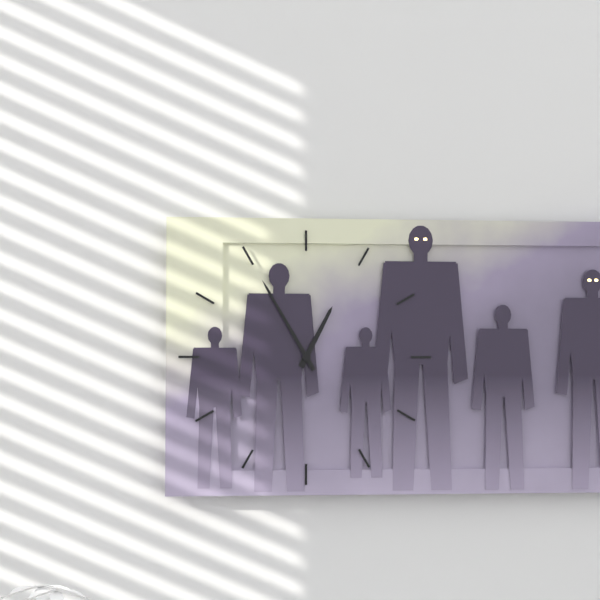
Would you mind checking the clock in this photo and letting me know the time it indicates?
12:55
